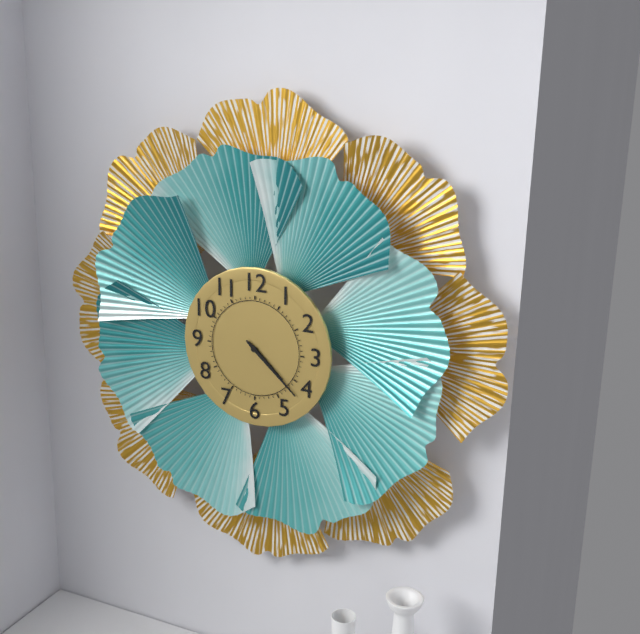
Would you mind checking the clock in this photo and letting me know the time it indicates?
4:22
